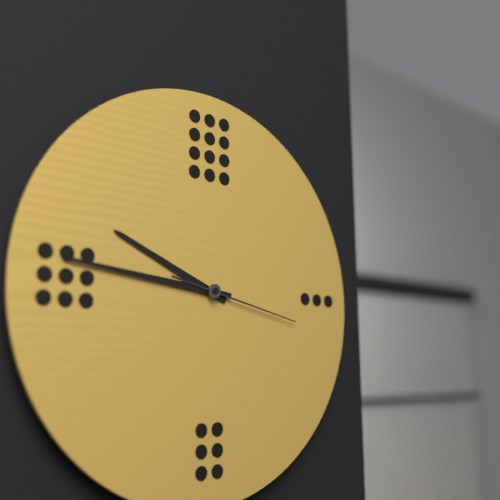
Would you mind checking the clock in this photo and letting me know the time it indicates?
9:46:17
